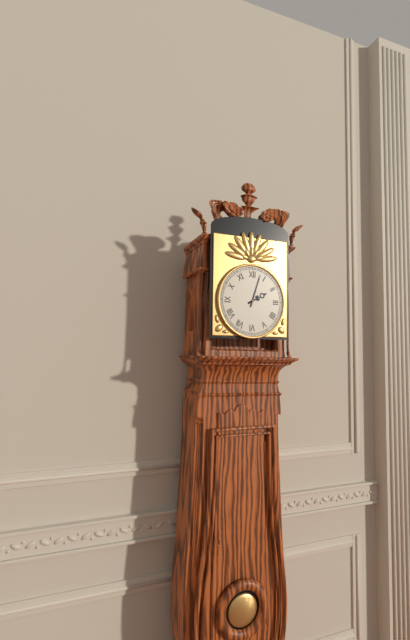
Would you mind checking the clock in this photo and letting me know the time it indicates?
2:03
